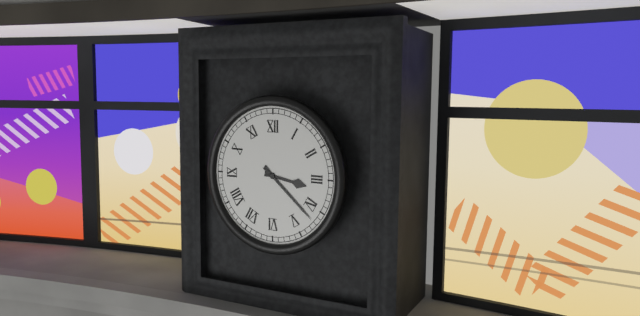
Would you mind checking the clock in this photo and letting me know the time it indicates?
3:22
